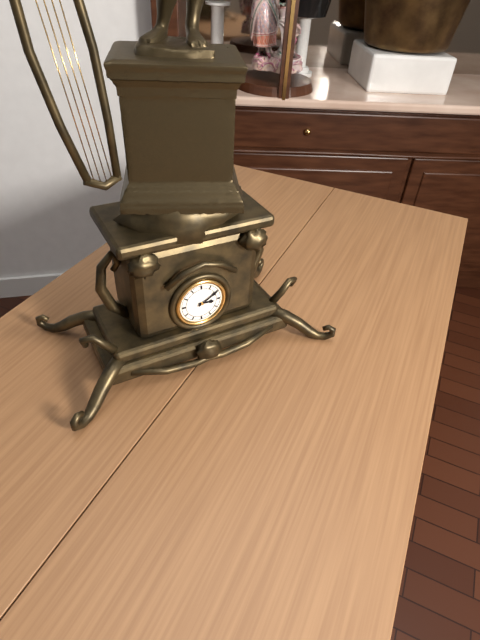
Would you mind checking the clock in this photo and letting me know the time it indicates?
3:10
